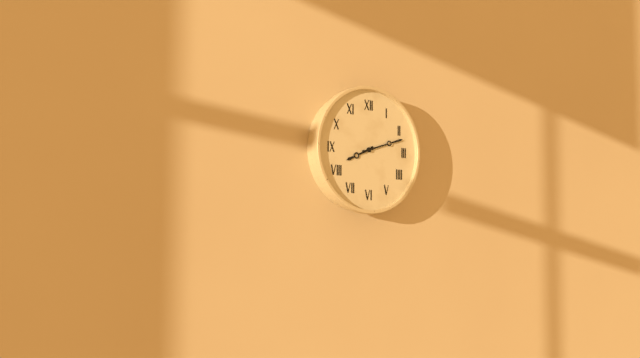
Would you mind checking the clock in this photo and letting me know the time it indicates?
8:12
